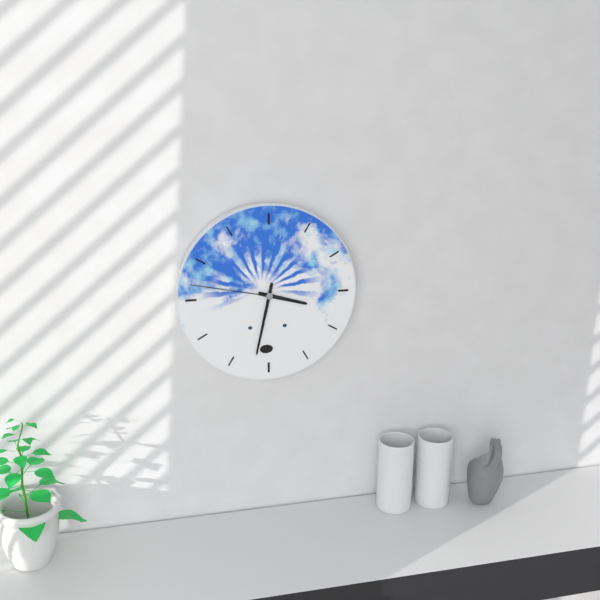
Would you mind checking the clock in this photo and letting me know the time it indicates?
3:32:47
